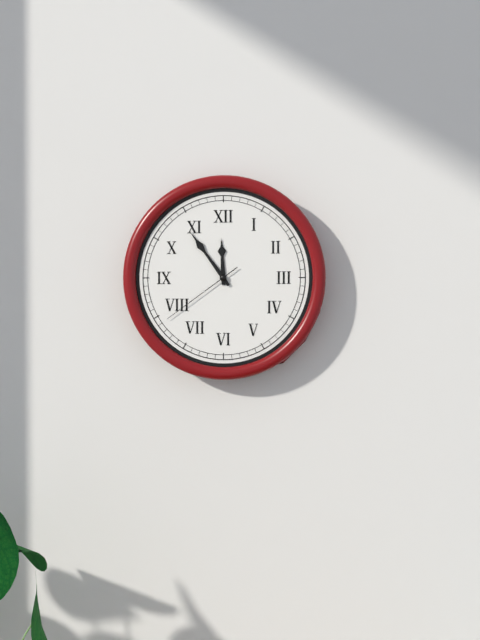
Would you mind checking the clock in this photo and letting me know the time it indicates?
11:54:39
